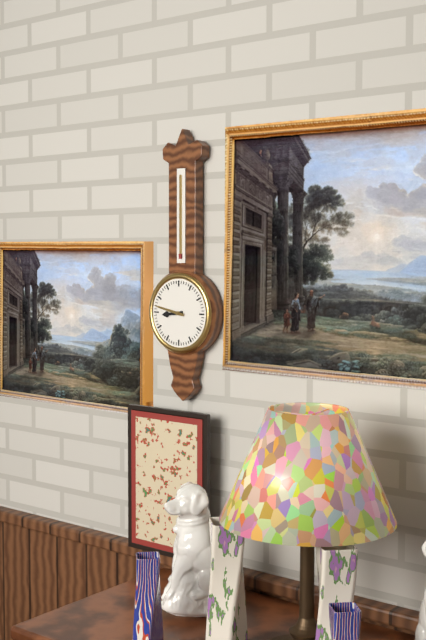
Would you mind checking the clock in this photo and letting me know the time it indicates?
8:47
